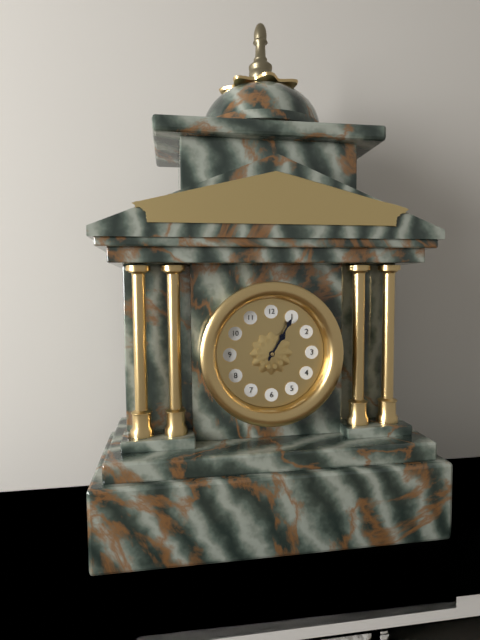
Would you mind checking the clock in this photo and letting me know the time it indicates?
1:05
